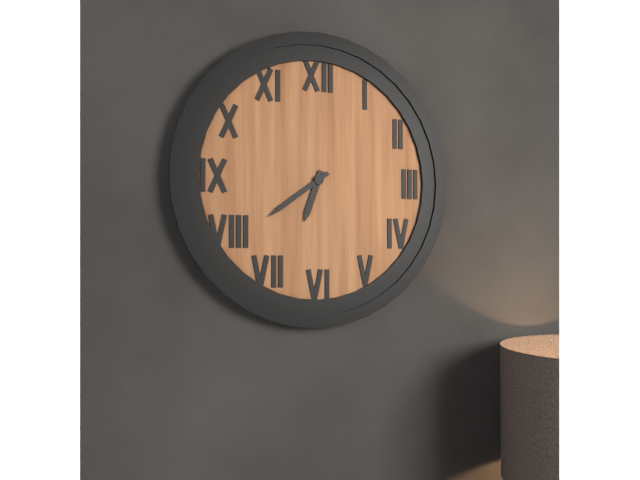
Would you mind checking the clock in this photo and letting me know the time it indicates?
6:39
